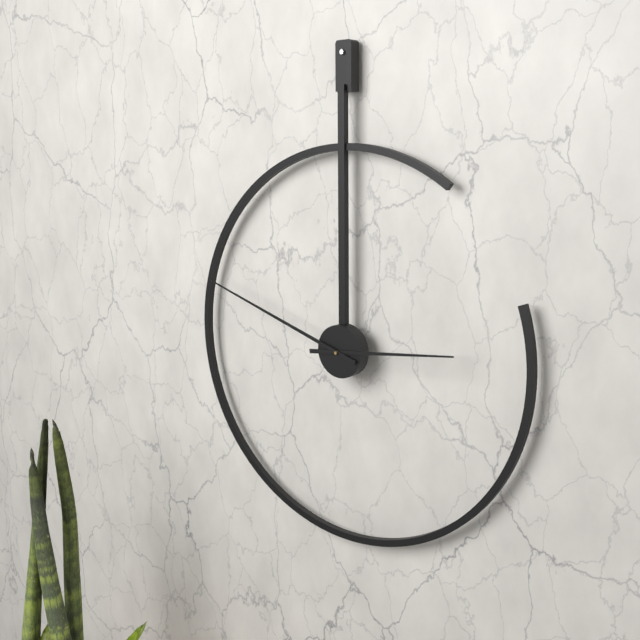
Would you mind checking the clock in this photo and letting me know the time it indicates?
2:48
